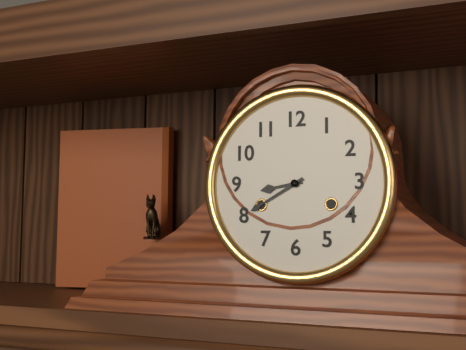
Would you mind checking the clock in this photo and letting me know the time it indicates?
8:40
